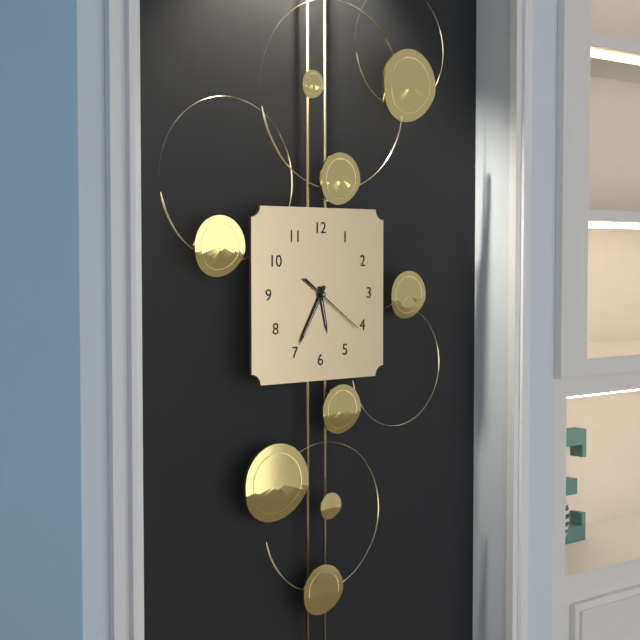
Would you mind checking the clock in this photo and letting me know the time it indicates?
5:35:21
